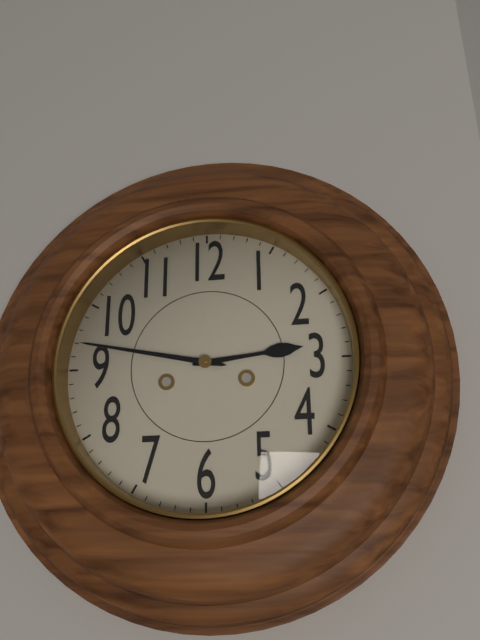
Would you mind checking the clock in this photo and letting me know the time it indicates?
2:47
